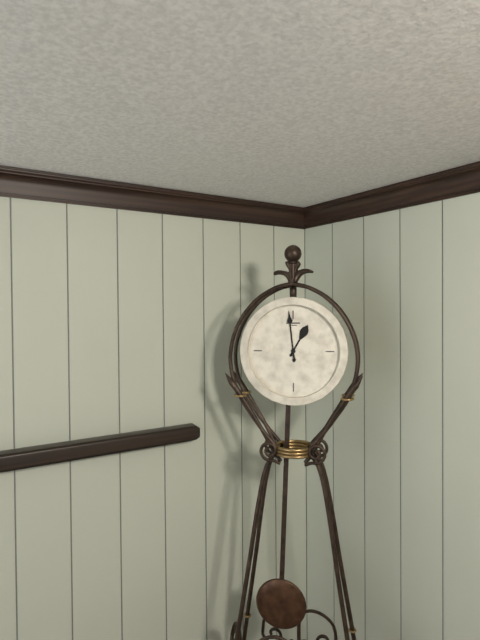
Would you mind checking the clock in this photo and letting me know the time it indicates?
12:59
